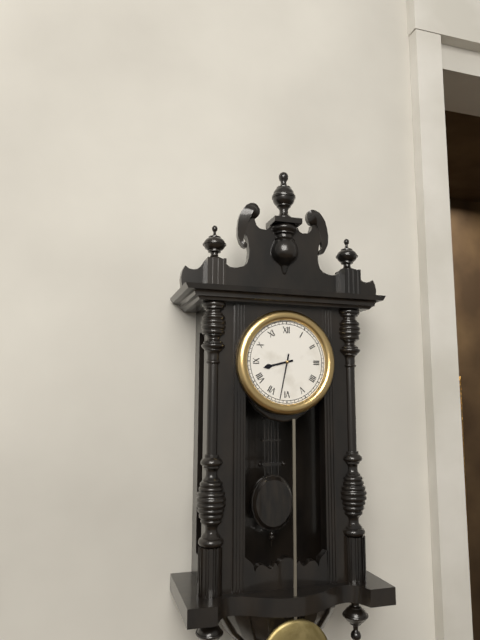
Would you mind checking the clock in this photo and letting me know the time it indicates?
8:32
